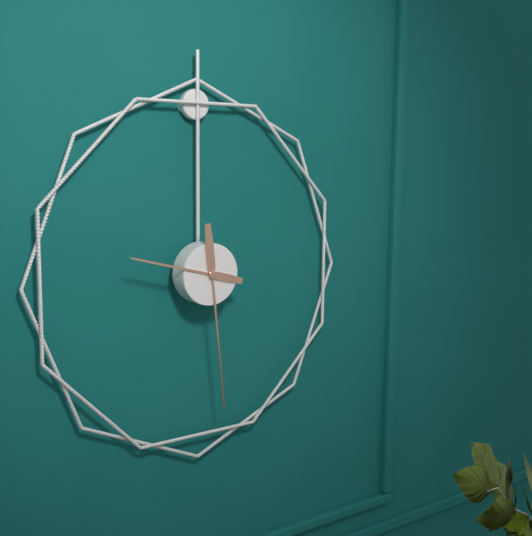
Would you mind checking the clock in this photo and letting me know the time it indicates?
9:29
